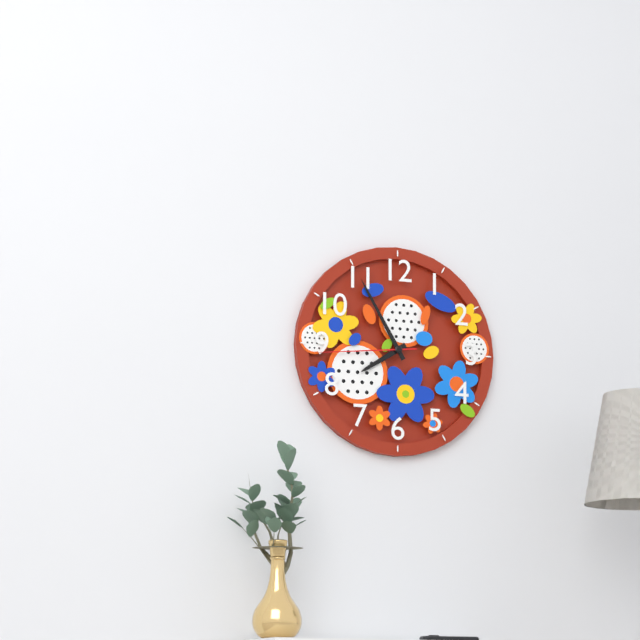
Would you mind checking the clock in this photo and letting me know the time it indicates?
7:55:44
